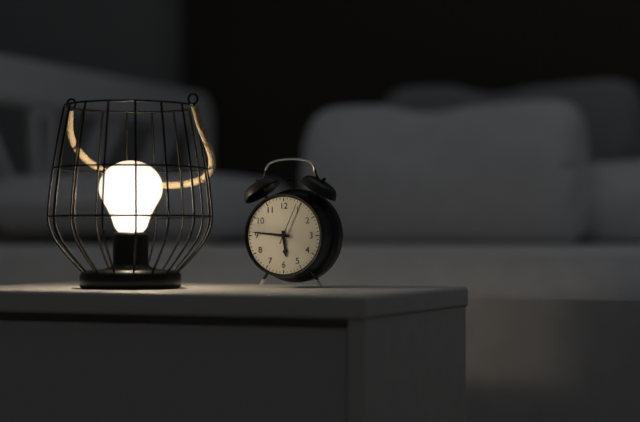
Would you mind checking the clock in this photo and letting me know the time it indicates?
5:46
